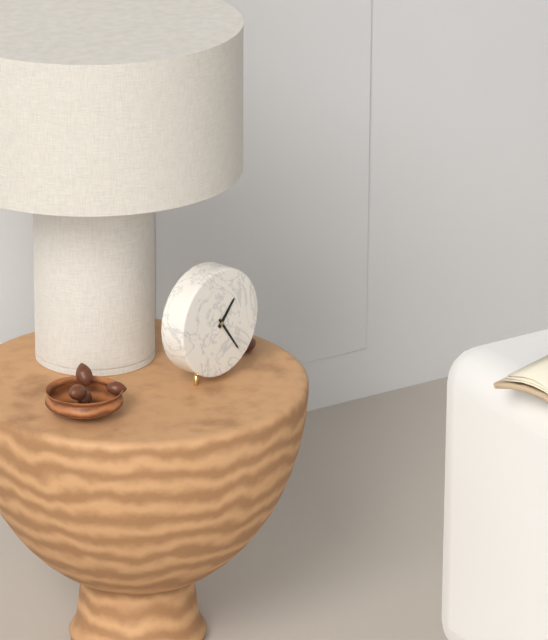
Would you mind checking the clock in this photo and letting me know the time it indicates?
1:24
